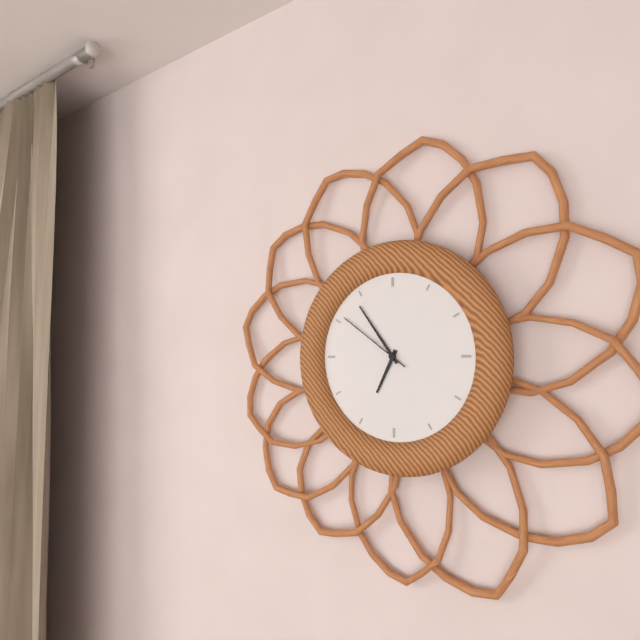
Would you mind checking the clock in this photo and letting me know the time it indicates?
6:54:51
